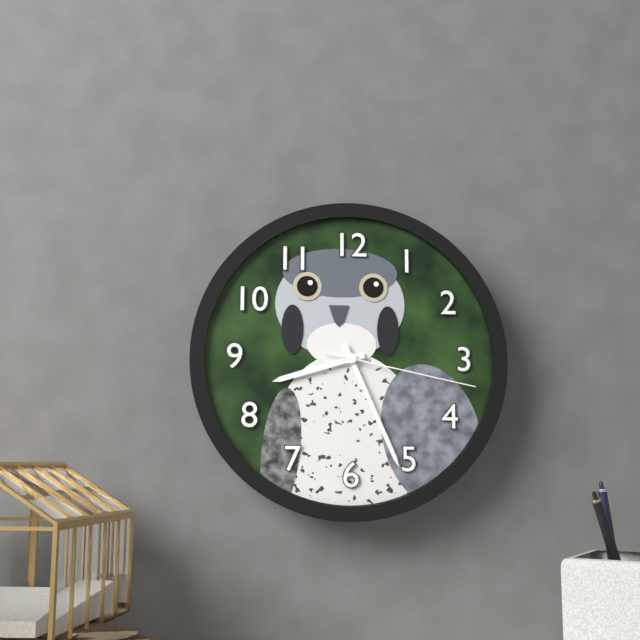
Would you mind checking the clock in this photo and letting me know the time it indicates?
8:26:17
